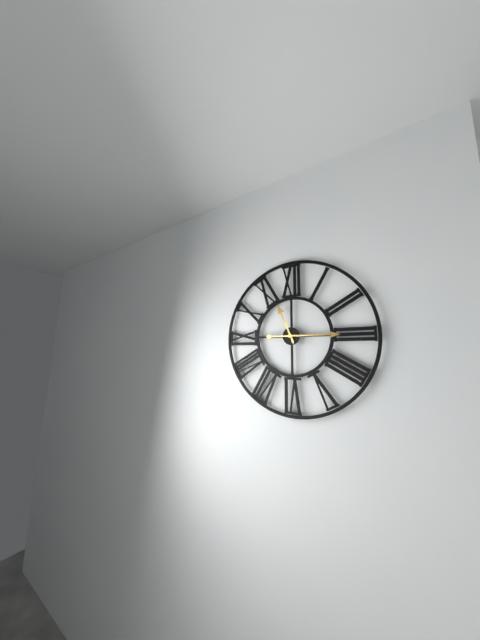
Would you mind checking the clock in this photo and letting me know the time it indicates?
11:15
